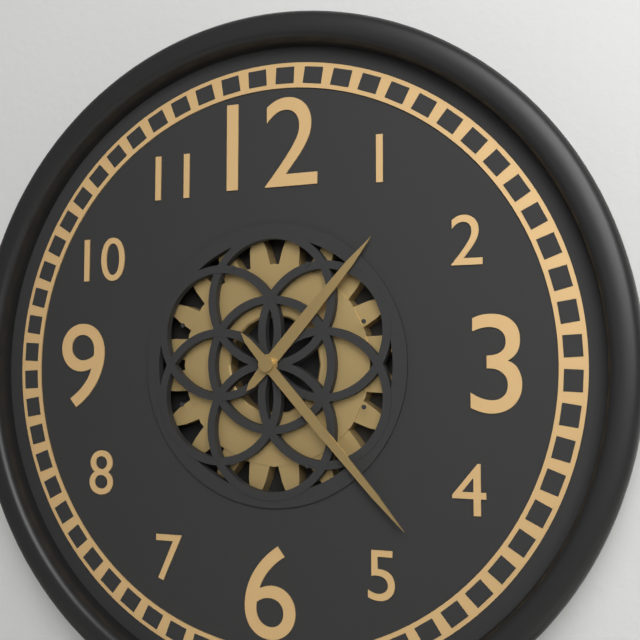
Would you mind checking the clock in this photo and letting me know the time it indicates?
1:23
